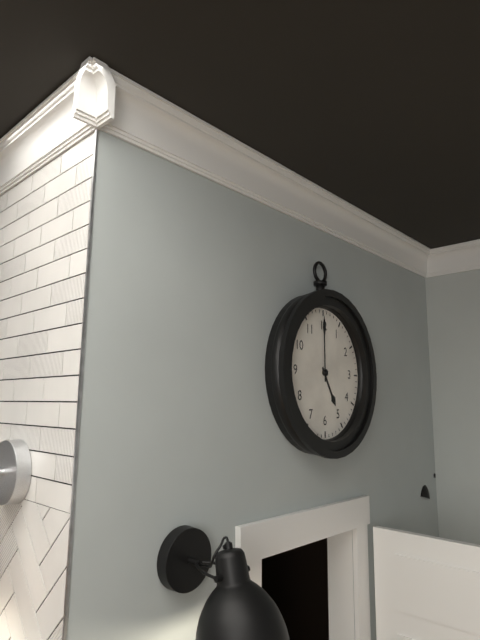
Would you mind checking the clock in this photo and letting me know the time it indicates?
5:00
